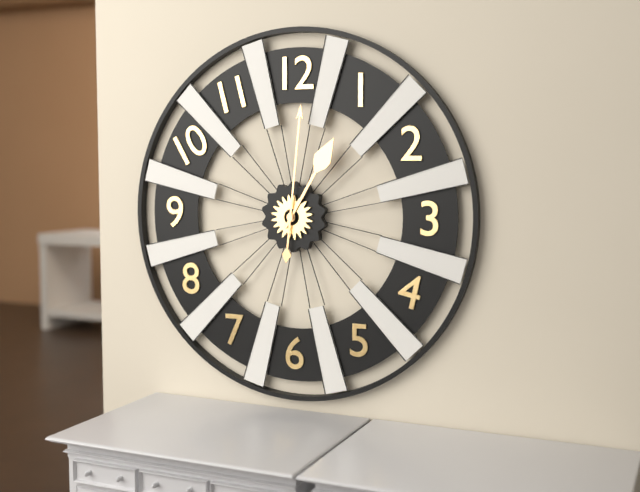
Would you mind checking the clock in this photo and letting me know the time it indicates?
1:01
